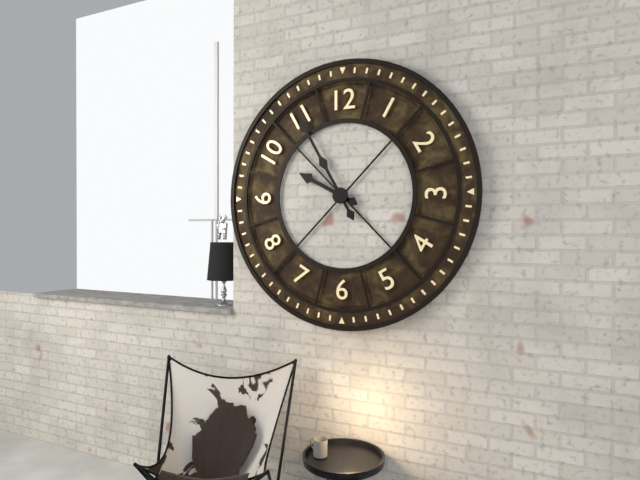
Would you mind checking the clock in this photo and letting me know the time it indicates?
9:55
